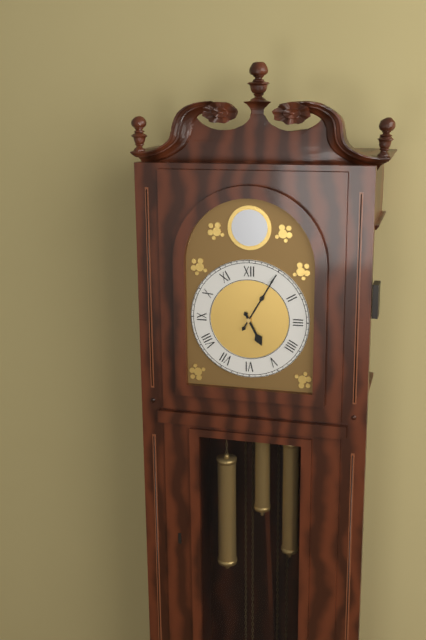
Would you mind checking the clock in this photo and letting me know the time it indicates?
5:05
